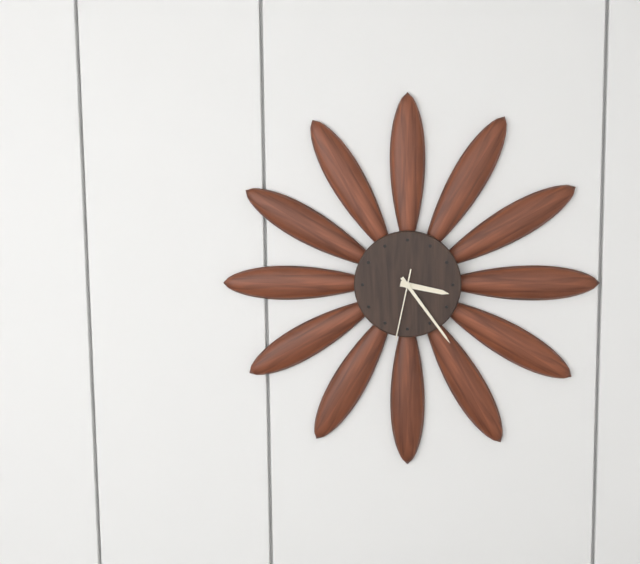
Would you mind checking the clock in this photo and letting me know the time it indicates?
3:24:32
